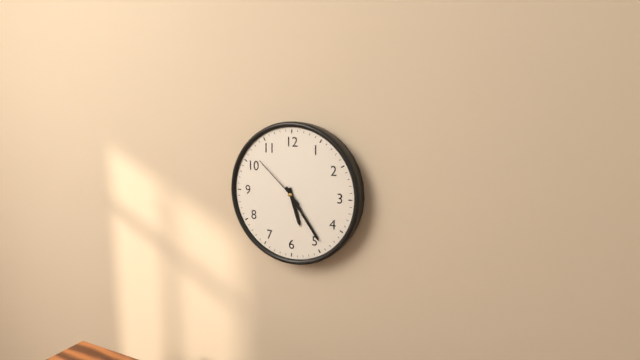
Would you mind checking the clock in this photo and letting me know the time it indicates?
5:24:52
